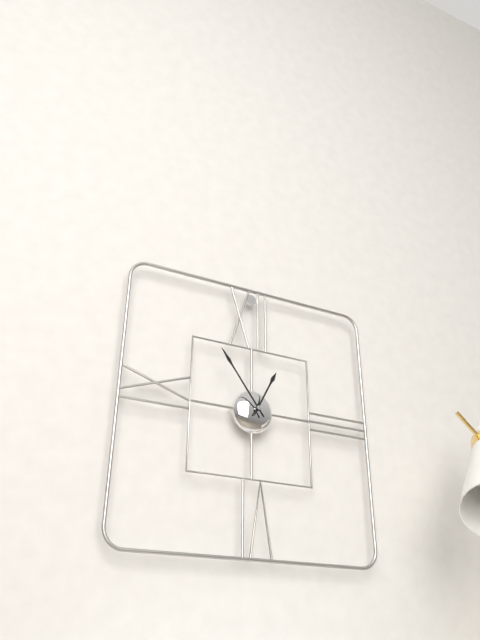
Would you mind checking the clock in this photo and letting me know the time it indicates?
12:54
